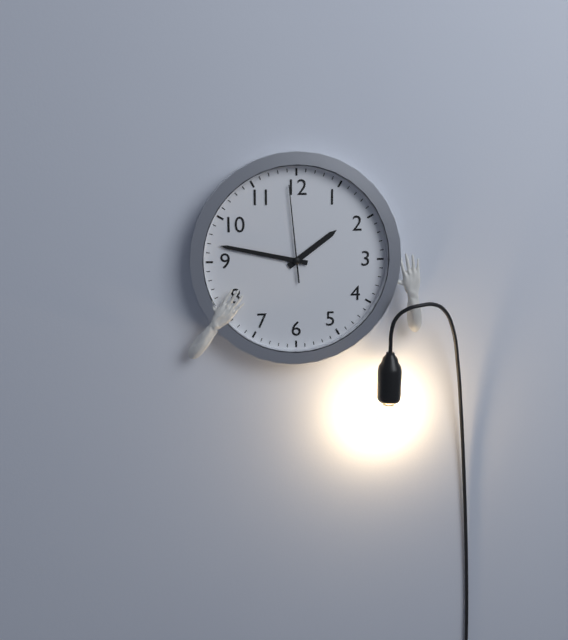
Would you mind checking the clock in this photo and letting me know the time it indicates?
1:47:59
